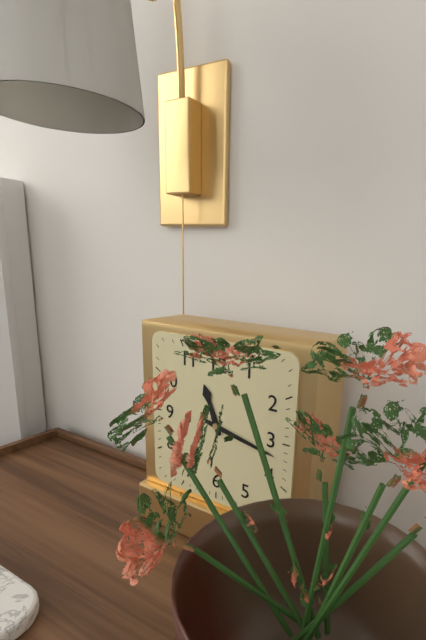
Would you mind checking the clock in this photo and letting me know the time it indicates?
11:17
